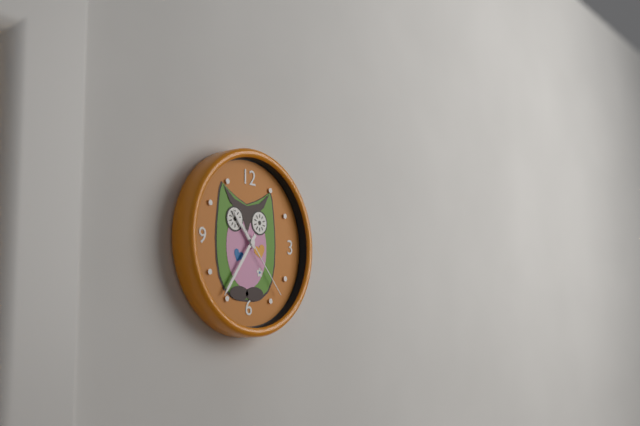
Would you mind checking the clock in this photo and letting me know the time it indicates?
10:36:23
